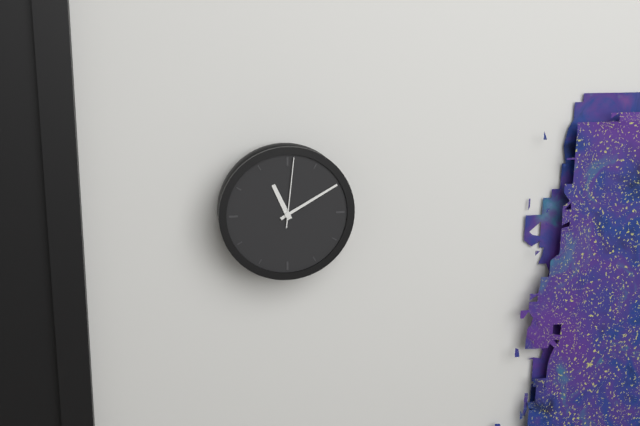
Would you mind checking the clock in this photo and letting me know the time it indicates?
11:10:01
